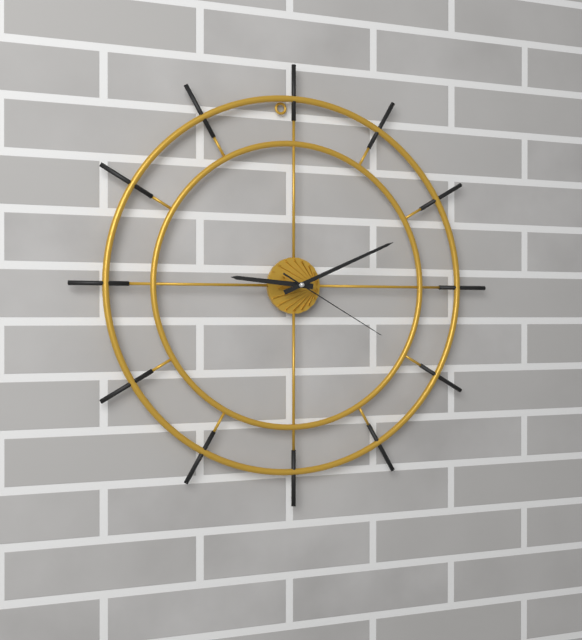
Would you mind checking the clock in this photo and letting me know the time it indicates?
9:11:20
